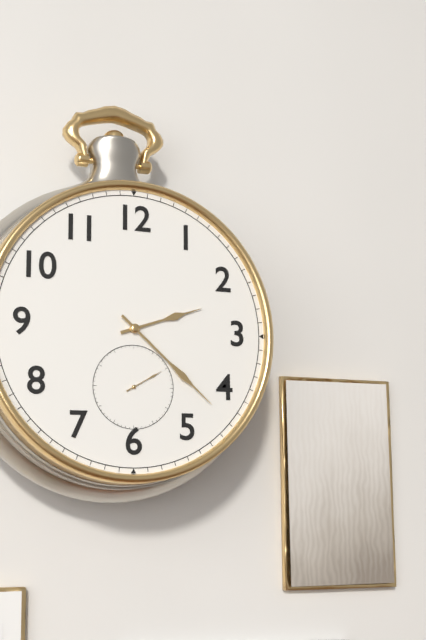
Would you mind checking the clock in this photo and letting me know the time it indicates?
2:22
